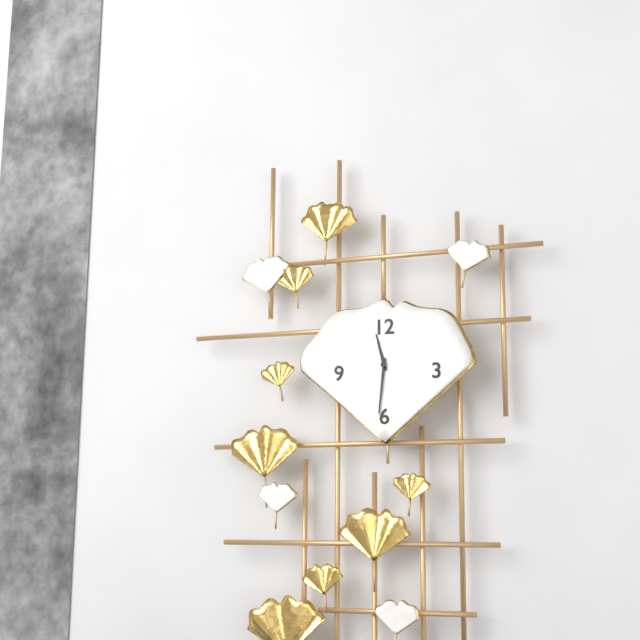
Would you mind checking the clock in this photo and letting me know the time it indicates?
11:31
